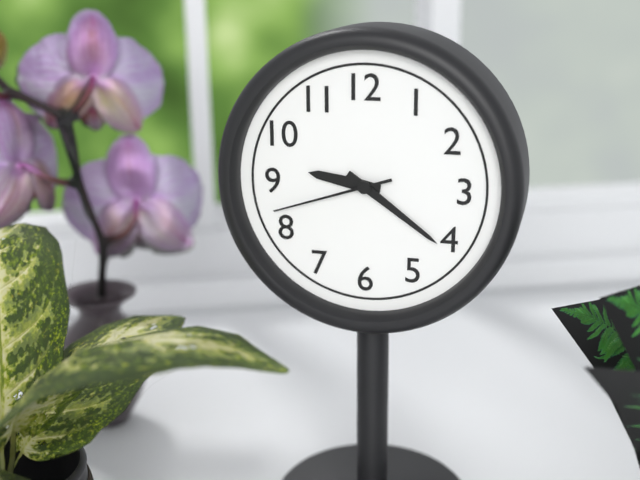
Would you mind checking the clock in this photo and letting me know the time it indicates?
9:21:42
